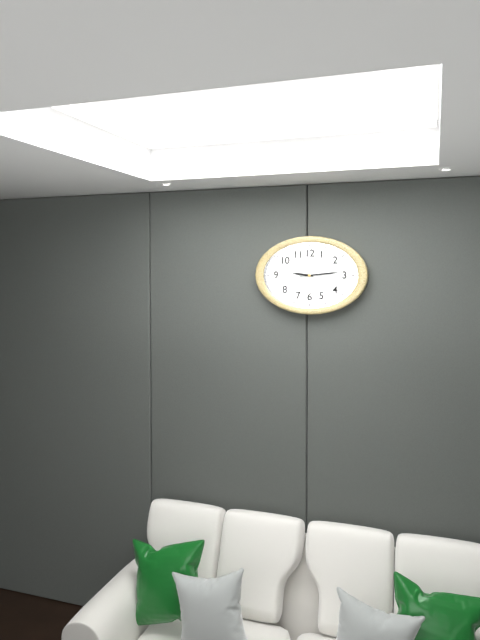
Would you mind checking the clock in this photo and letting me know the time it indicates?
9:14
